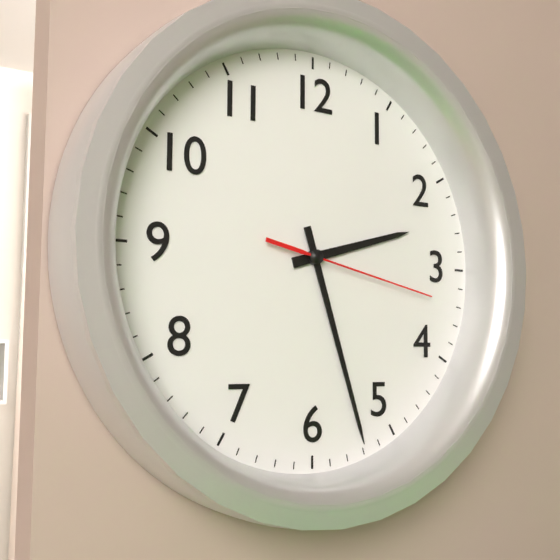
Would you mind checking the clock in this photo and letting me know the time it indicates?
2:27:17
